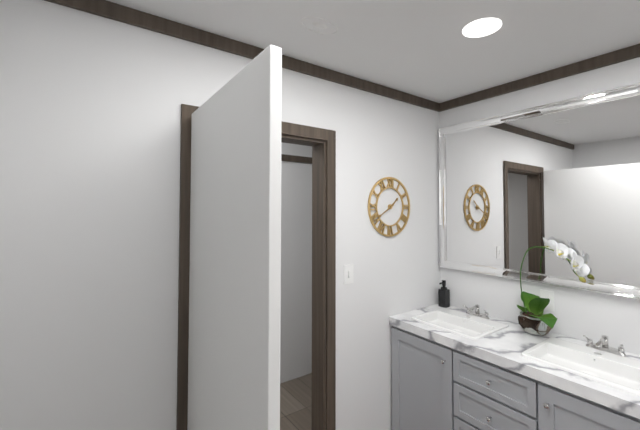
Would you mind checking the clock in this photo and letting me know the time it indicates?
1:40
